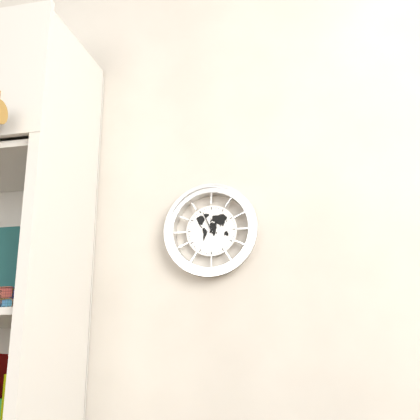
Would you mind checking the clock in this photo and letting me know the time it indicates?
12:56
